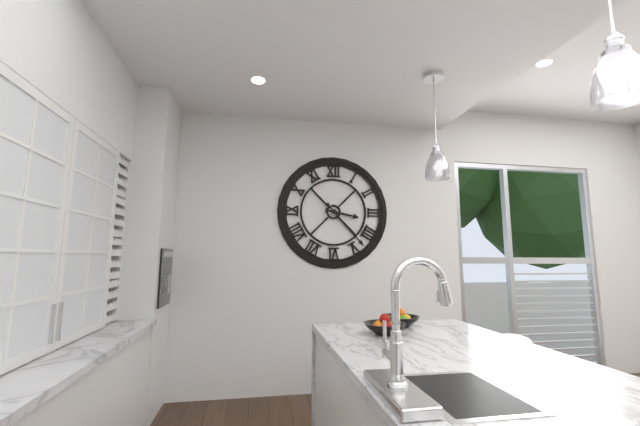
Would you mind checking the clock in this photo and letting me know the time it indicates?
3:23
